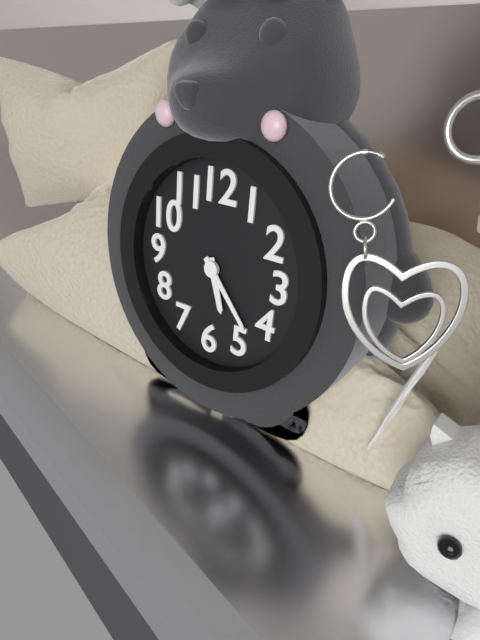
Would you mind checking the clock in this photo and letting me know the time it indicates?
5:23
